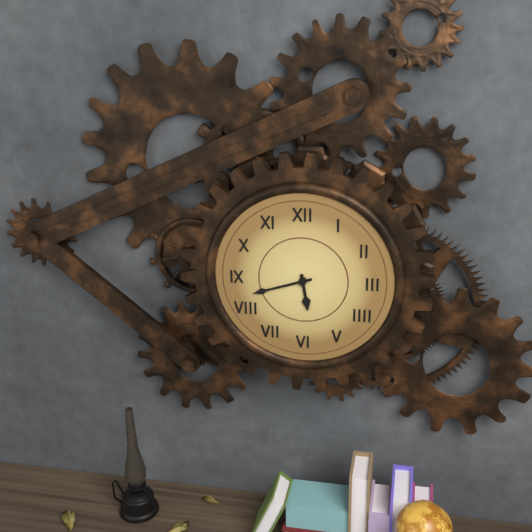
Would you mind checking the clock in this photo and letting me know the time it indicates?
5:42
